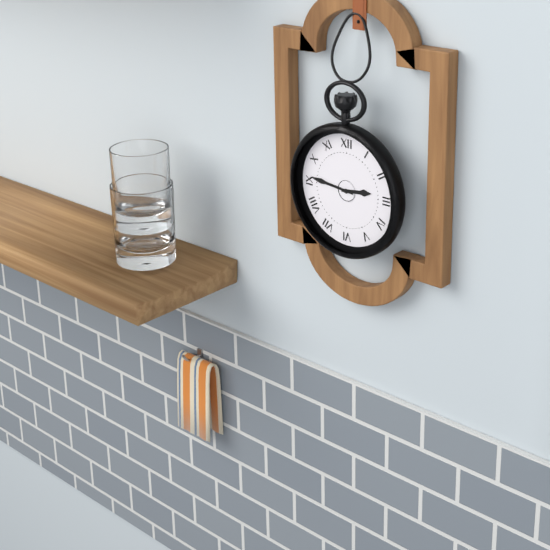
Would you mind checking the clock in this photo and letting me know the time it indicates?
2:46
